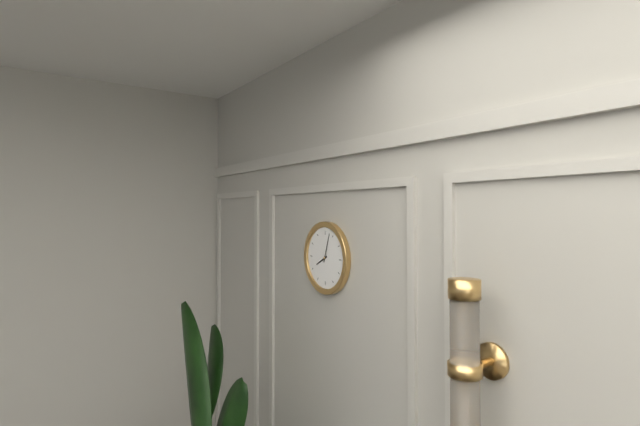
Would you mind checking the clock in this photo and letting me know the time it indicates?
8:03
